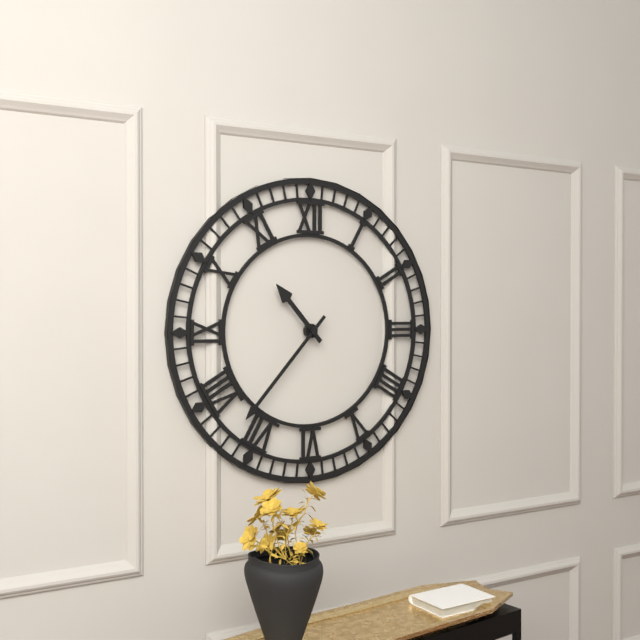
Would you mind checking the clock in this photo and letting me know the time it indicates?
10:37
